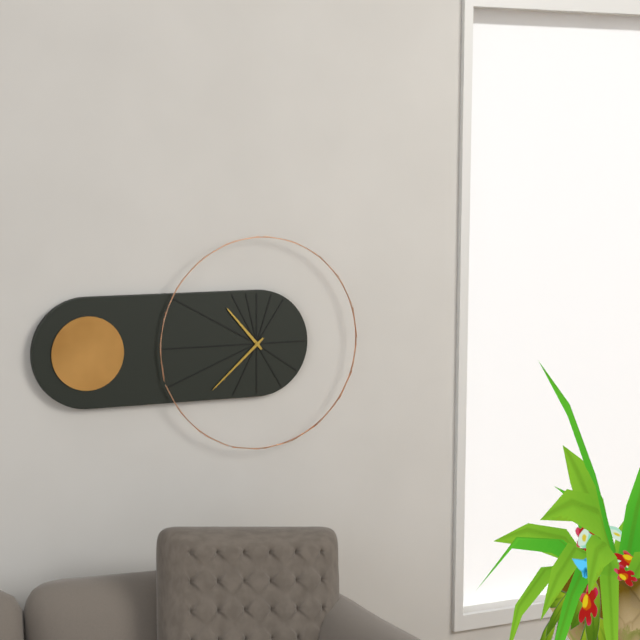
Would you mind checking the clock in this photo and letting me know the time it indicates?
10:38
